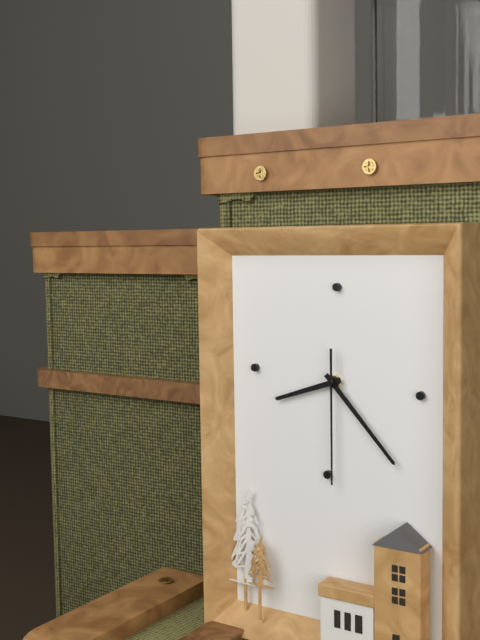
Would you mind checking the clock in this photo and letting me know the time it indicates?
8:23:30
